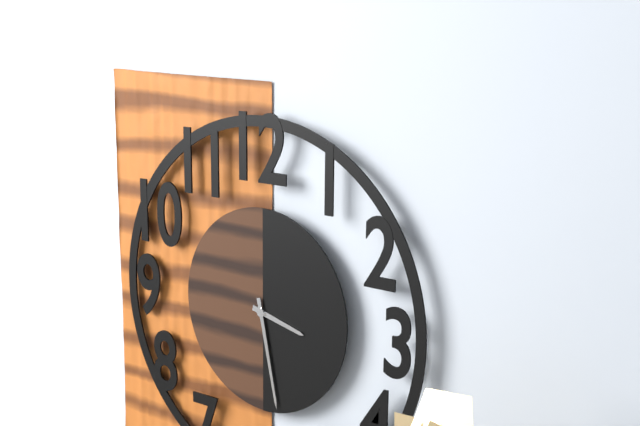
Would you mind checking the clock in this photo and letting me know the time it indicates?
3:28
